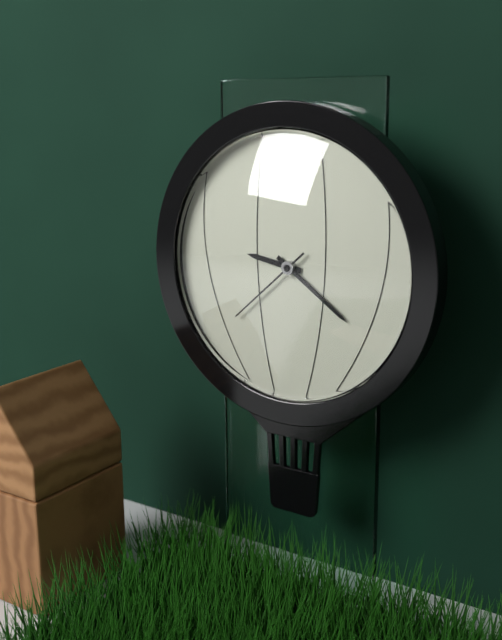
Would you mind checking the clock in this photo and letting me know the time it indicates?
9:21:38
